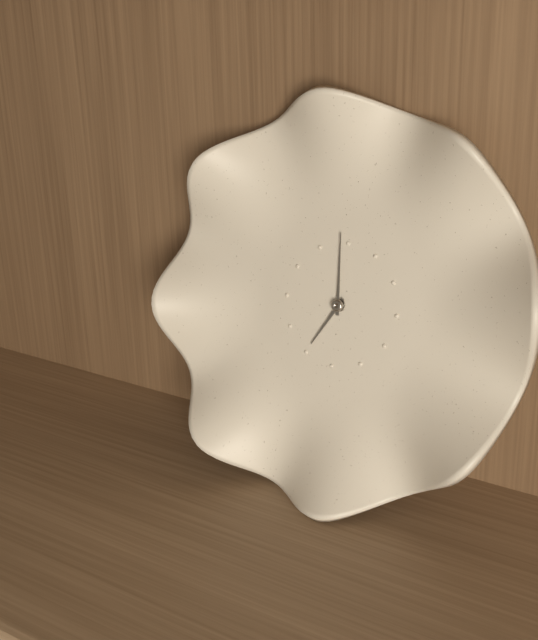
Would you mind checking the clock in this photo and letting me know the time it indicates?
6:59
